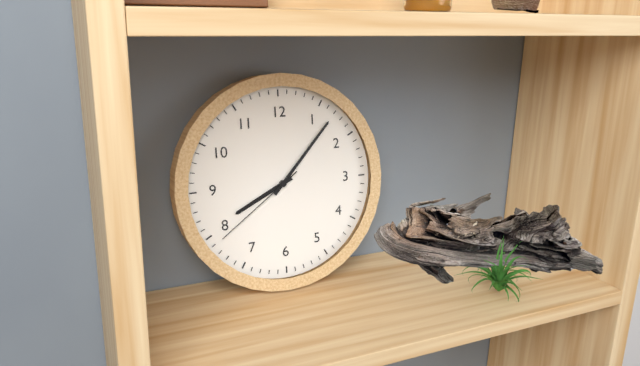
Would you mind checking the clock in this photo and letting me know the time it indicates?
8:07:39
